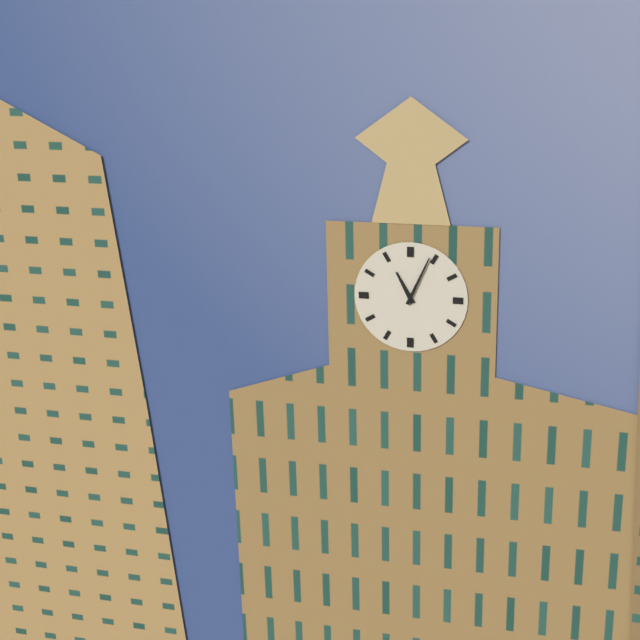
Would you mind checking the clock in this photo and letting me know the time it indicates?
11:04
